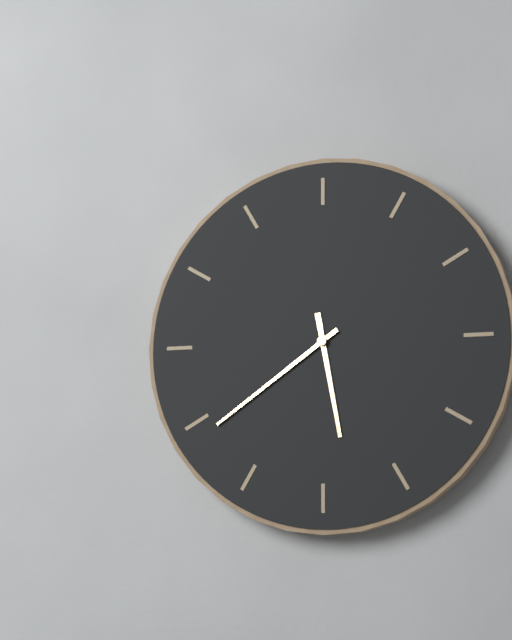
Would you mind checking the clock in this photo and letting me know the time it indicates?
5:39
